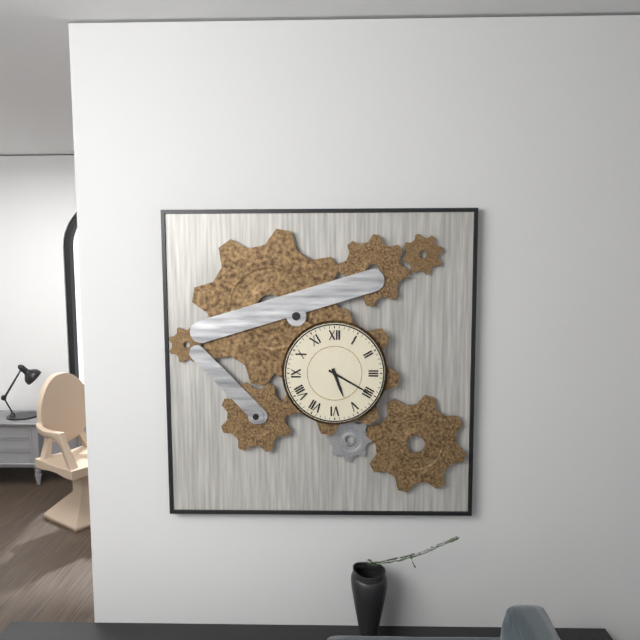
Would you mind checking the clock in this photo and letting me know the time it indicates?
5:20
